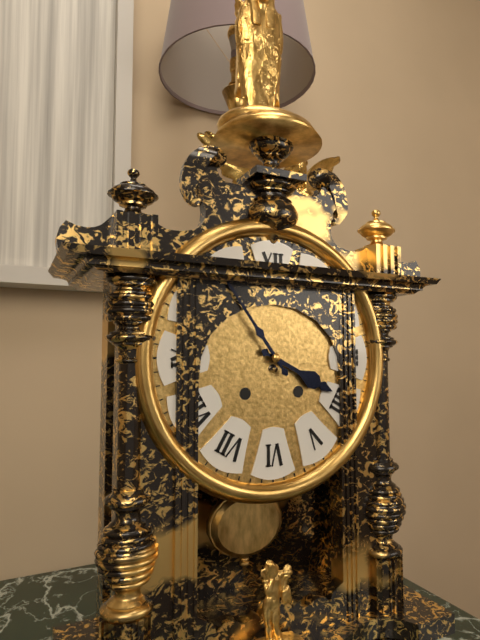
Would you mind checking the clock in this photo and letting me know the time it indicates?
3:54
